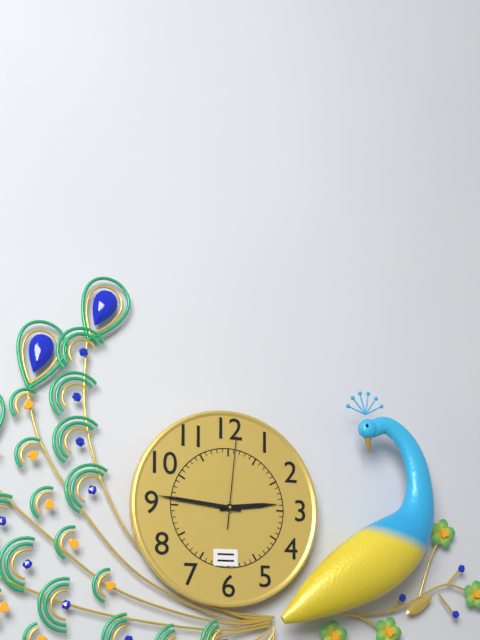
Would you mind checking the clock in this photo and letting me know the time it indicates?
2:46:01
